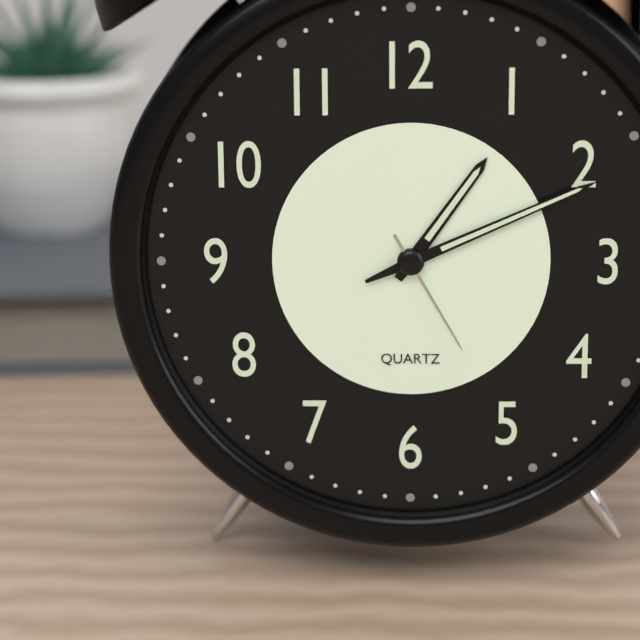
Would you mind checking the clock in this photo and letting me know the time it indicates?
1:11:25
